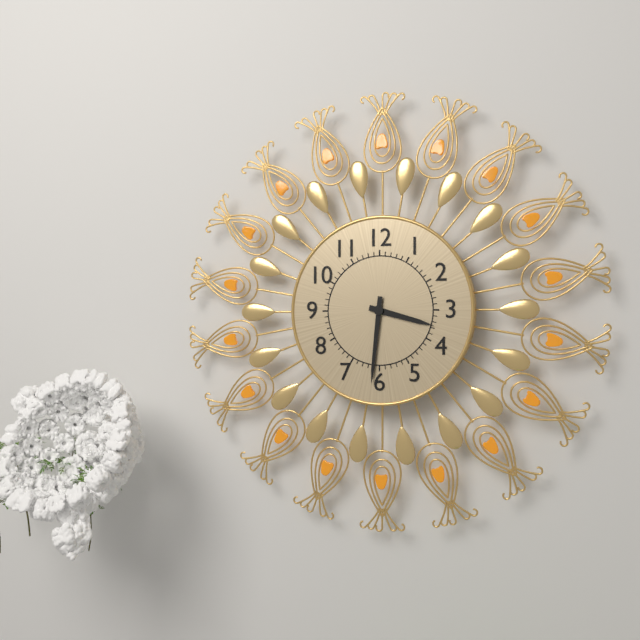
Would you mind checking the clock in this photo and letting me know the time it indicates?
3:31
